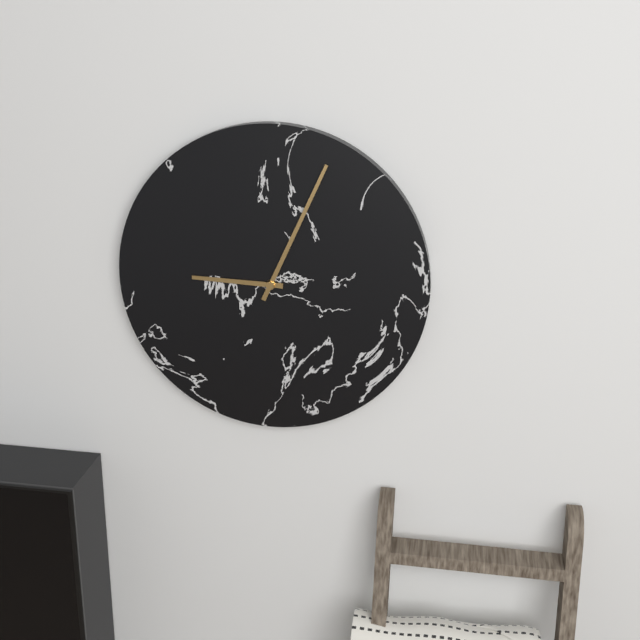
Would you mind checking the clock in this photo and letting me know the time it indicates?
9:04
